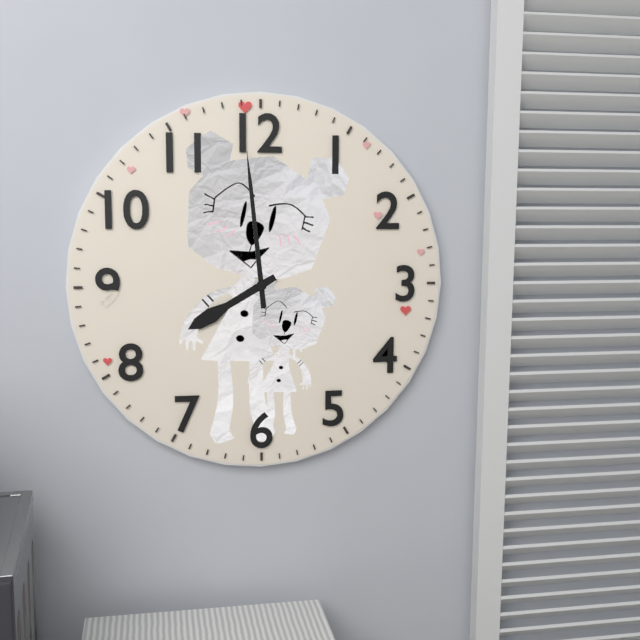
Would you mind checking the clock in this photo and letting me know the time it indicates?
7:59
